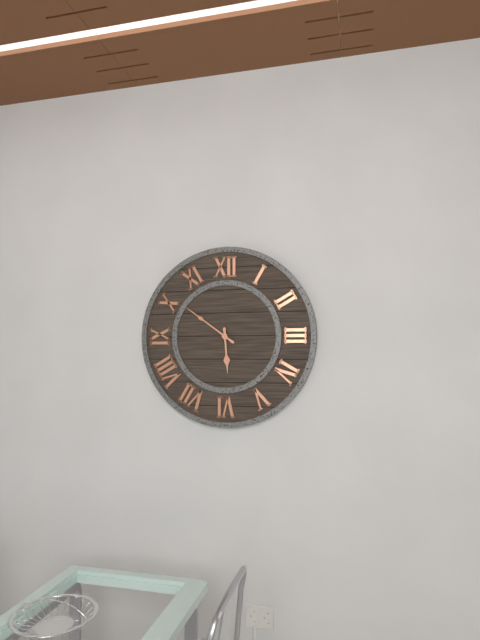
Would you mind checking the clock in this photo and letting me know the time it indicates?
5:51
